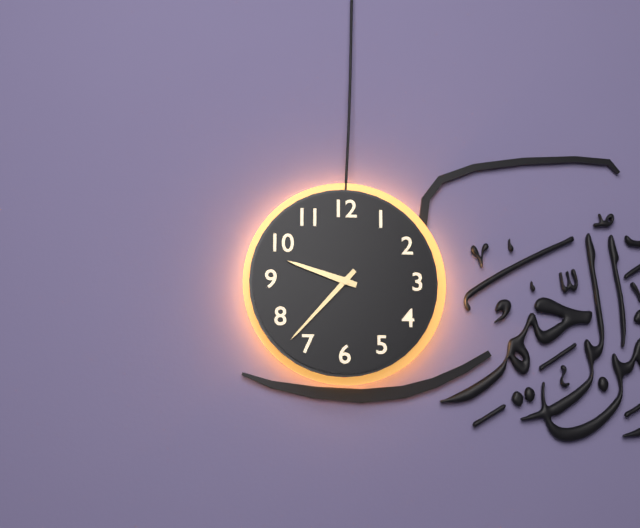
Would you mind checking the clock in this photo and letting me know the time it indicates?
9:37
